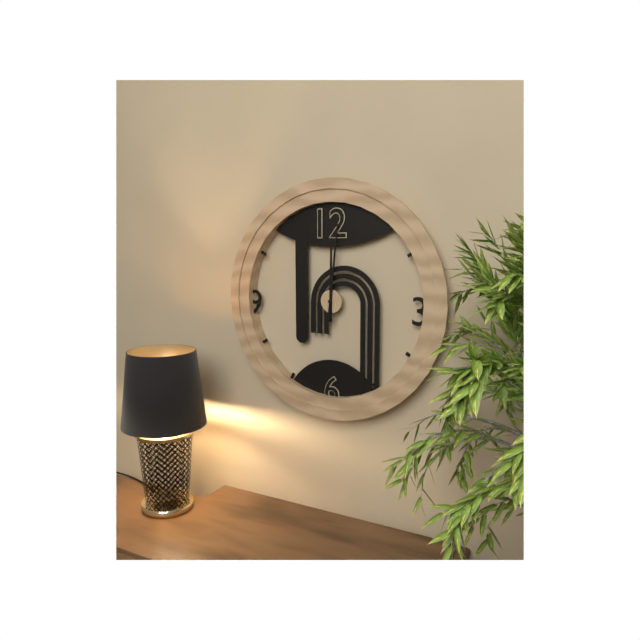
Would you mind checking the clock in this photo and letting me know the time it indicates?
12:01
